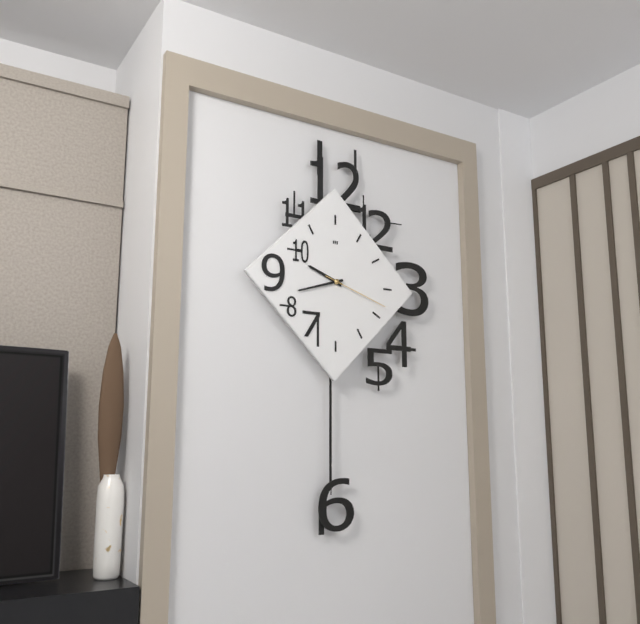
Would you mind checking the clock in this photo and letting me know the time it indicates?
9:42:18
